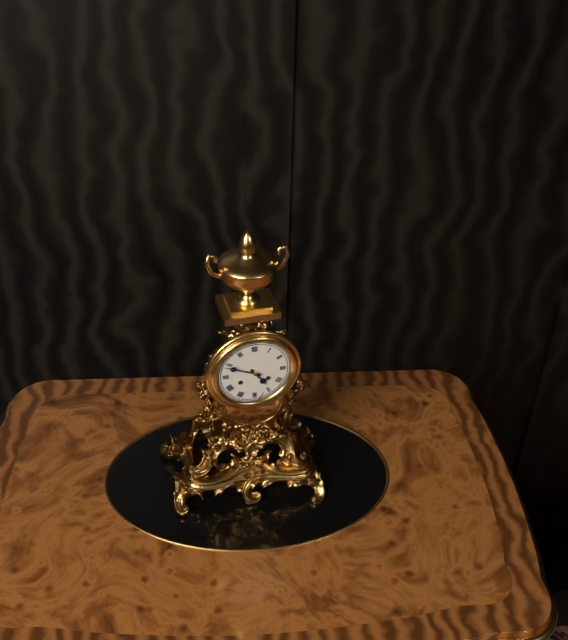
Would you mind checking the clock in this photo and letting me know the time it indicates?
4:49
